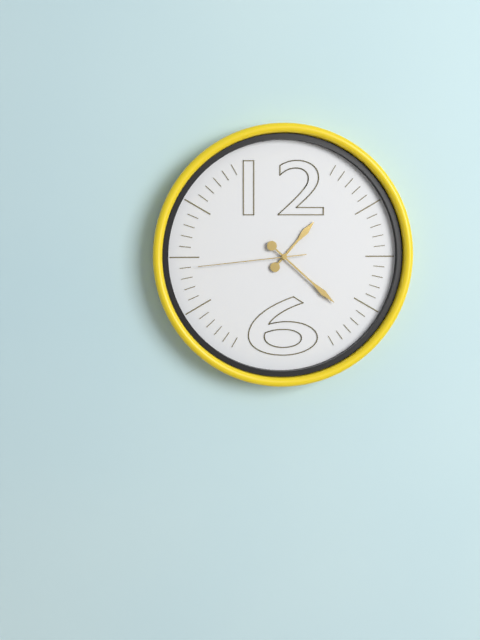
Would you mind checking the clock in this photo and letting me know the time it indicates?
1:22:44
